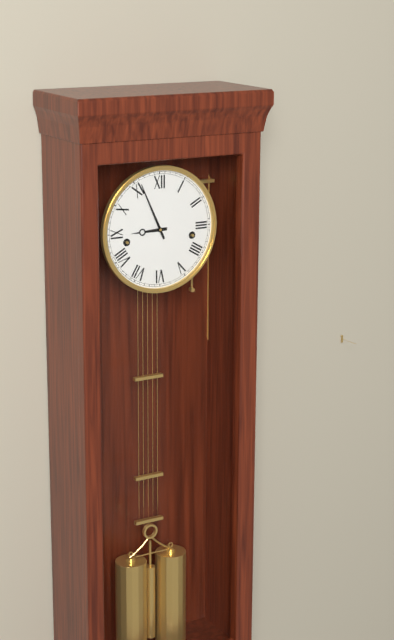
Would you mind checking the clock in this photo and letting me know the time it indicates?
8:56
